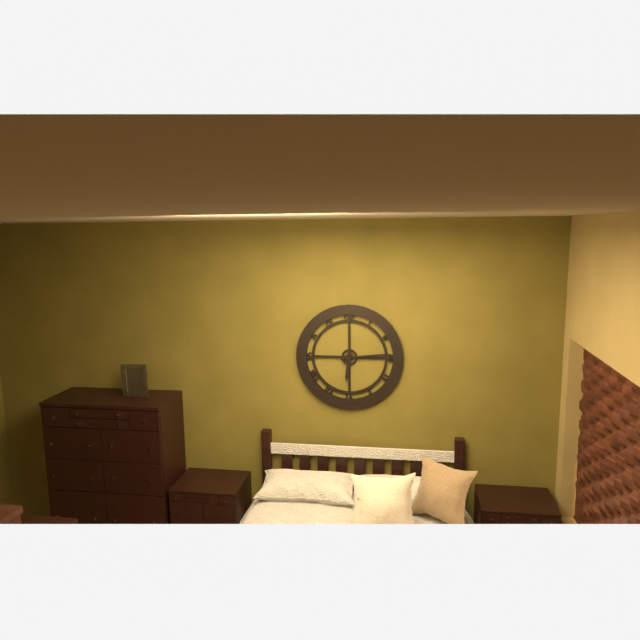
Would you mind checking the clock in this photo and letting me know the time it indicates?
6:14
